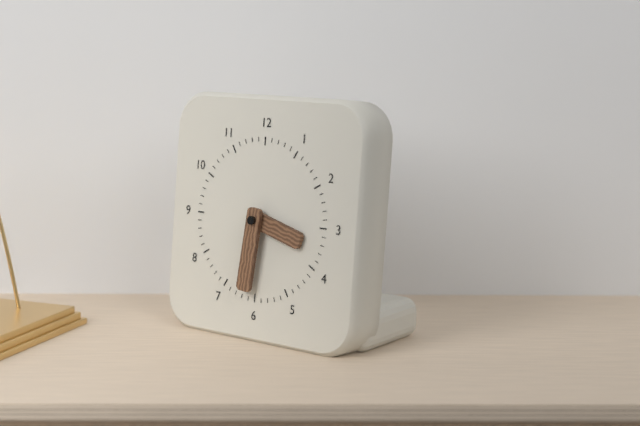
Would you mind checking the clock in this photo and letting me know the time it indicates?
3:31
